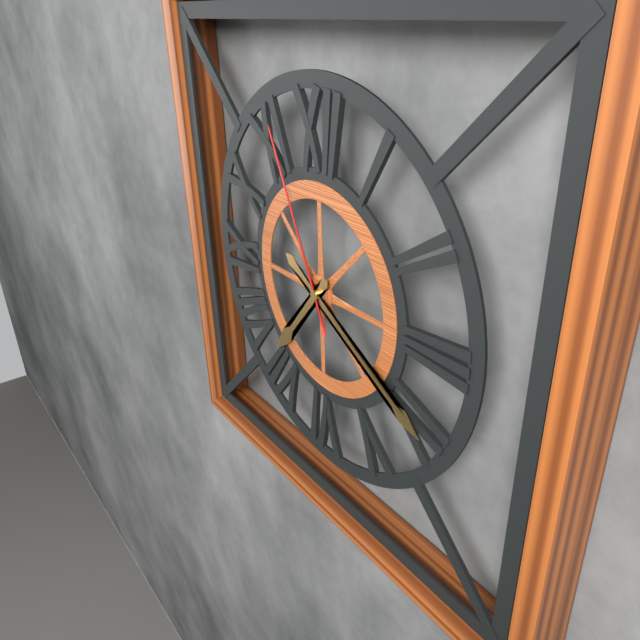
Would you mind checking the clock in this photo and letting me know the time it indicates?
7:20:56
